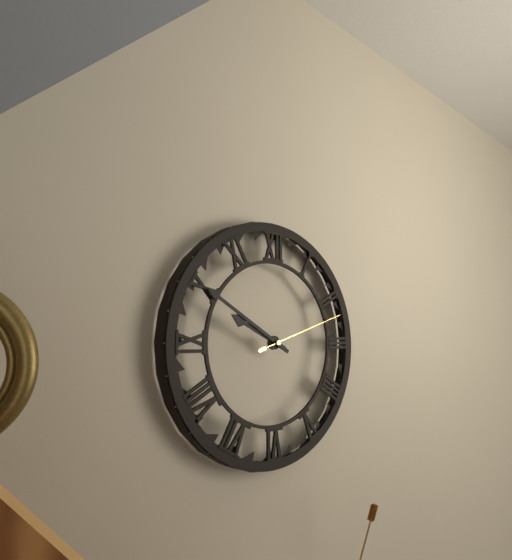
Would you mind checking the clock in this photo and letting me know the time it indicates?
9:50:12
